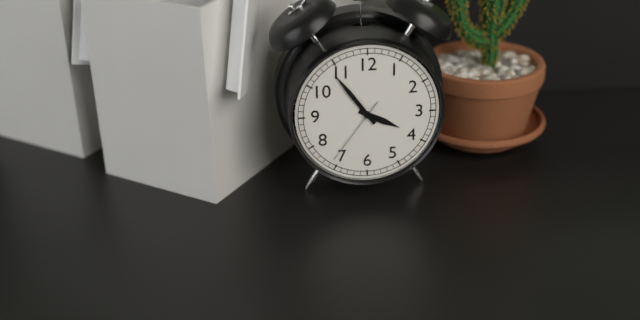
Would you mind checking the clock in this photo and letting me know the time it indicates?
3:54:36
